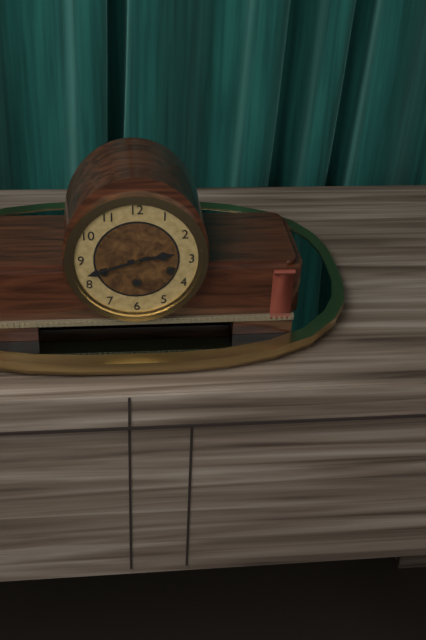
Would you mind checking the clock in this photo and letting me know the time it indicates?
2:42
